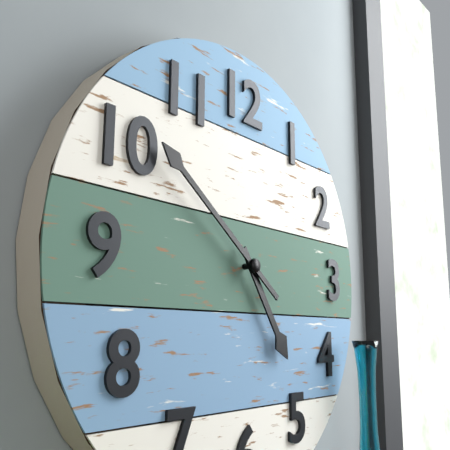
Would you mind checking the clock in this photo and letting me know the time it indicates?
4:51
